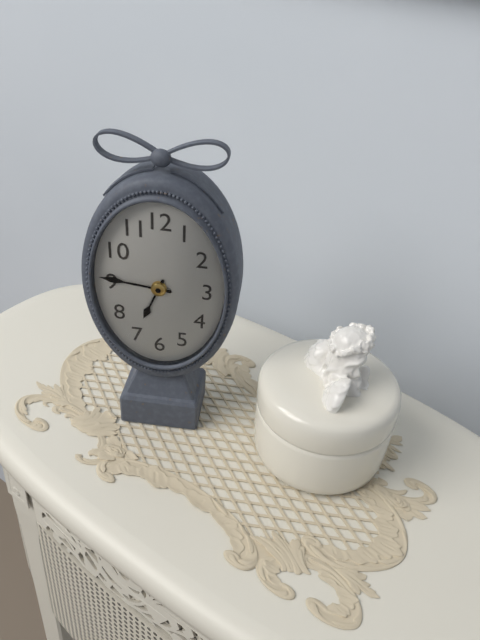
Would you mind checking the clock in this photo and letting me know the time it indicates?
6:46
